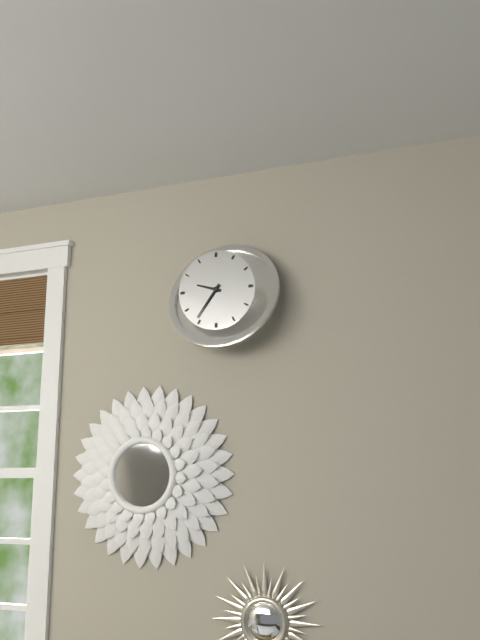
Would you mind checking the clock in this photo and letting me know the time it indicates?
9:36
